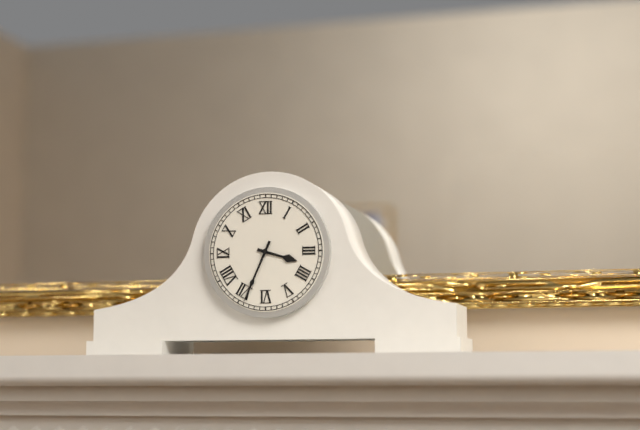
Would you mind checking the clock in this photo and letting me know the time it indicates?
3:34
